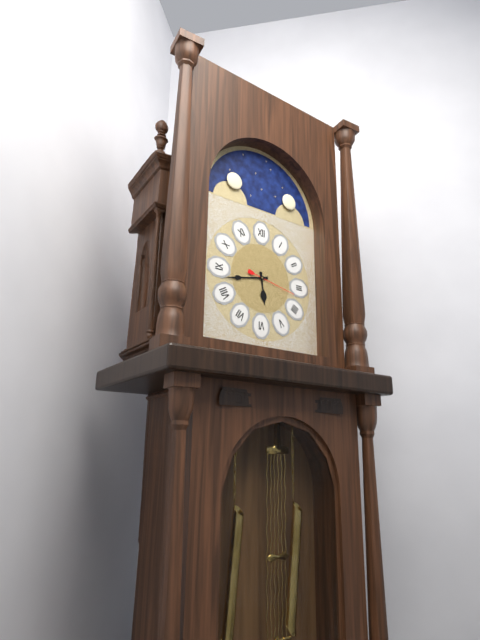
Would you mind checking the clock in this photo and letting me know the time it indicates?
5:43
